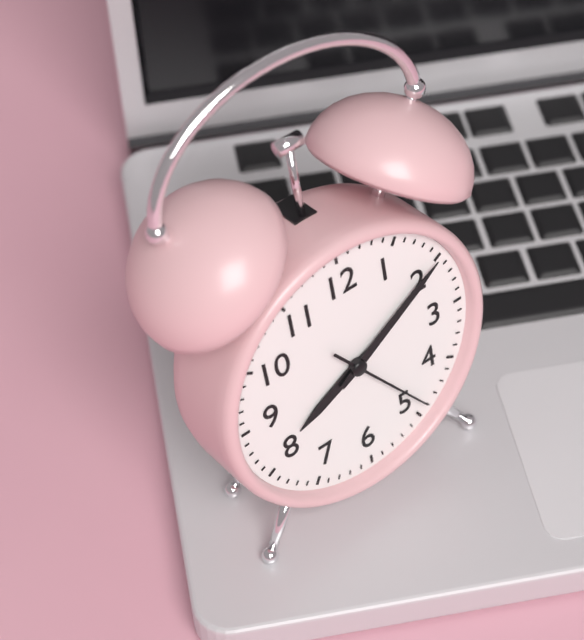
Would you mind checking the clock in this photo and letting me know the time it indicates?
8:10:24
